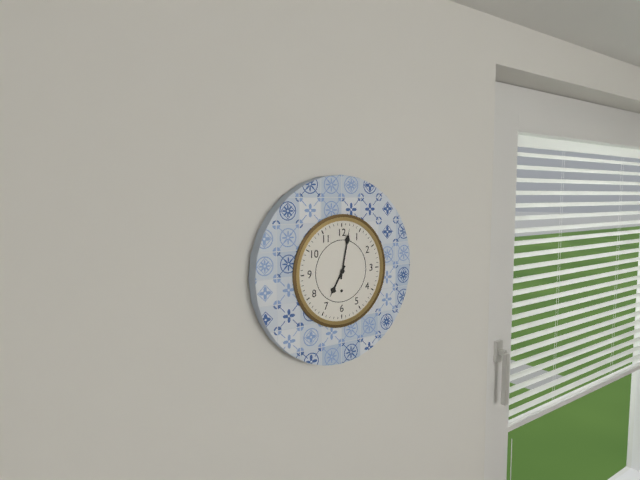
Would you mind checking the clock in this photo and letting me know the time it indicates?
7:02
